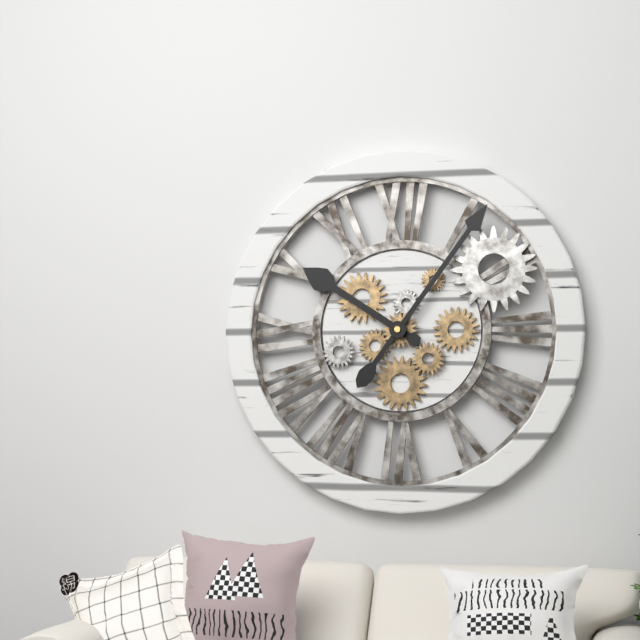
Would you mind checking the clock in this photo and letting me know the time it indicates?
10:06
